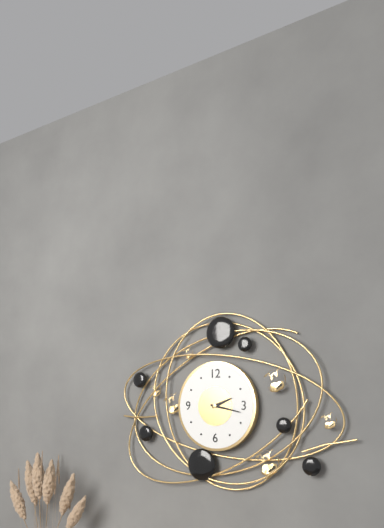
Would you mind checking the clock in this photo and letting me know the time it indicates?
2:17
